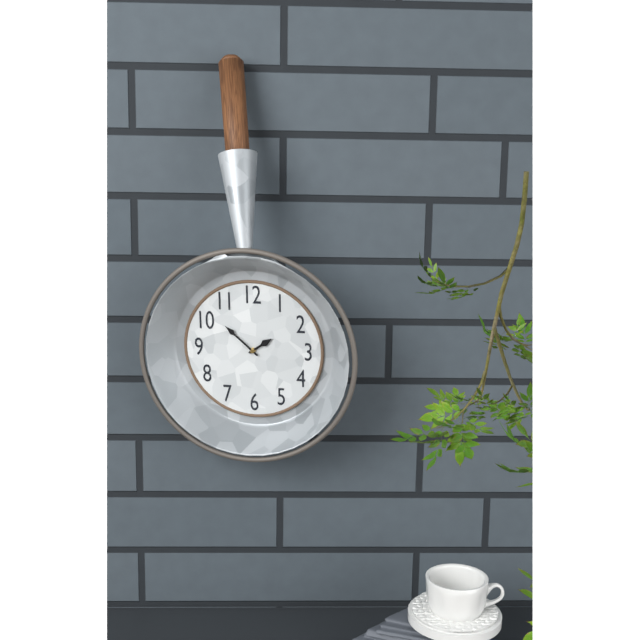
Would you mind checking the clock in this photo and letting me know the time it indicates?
1:52
